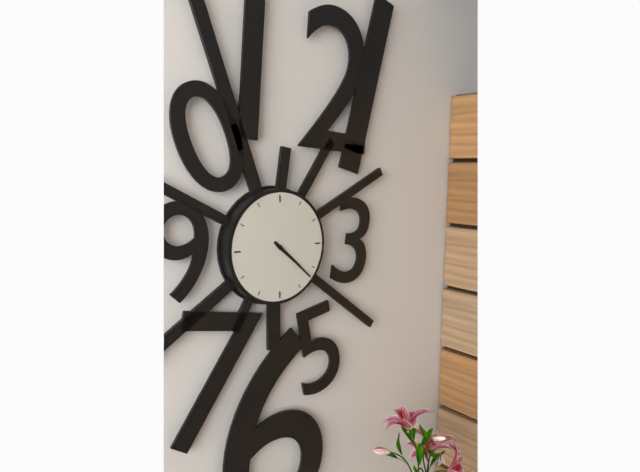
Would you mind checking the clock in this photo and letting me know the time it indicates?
4:22
